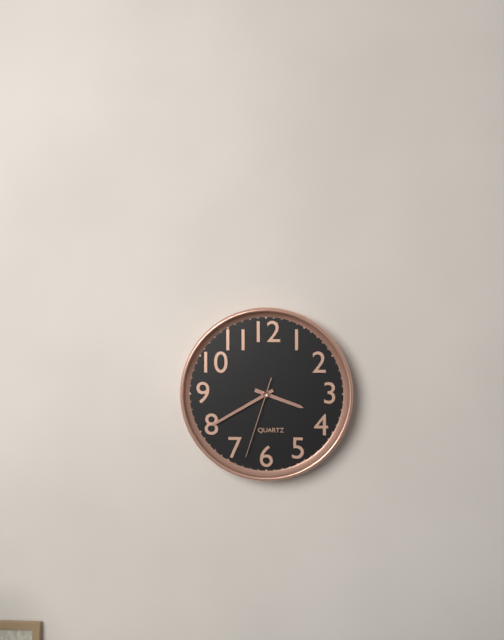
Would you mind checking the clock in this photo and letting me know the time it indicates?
3:40:33
